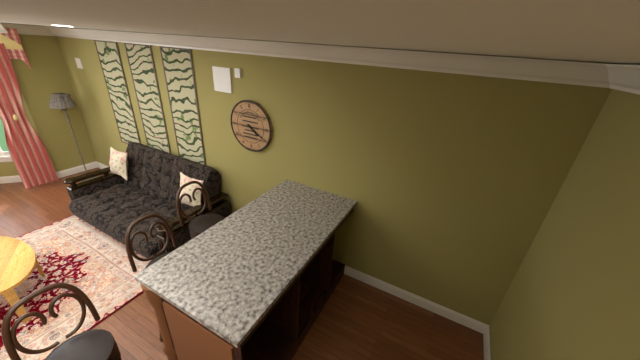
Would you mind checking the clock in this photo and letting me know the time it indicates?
4:20
